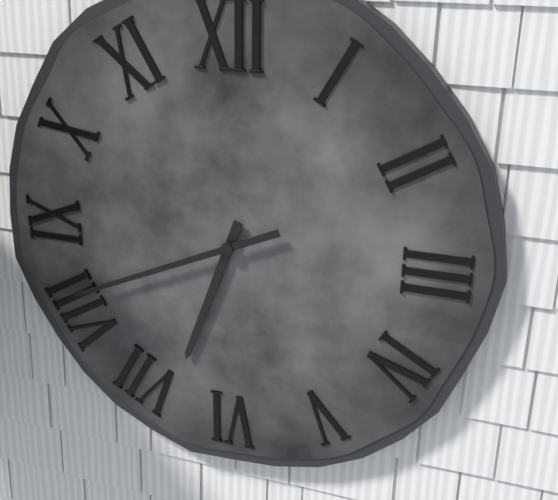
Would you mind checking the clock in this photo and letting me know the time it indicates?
6:41
